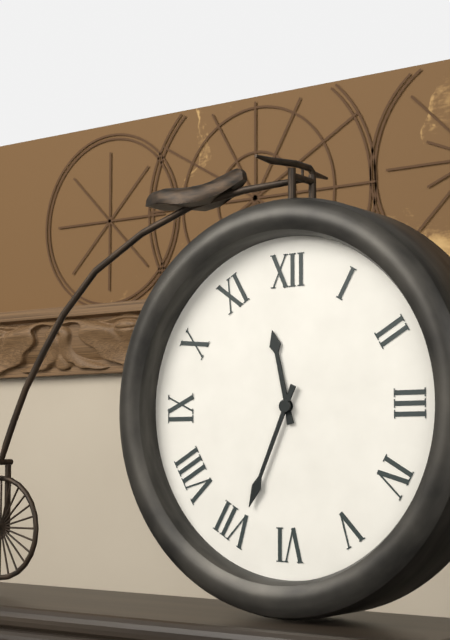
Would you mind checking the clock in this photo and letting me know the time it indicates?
11:34
